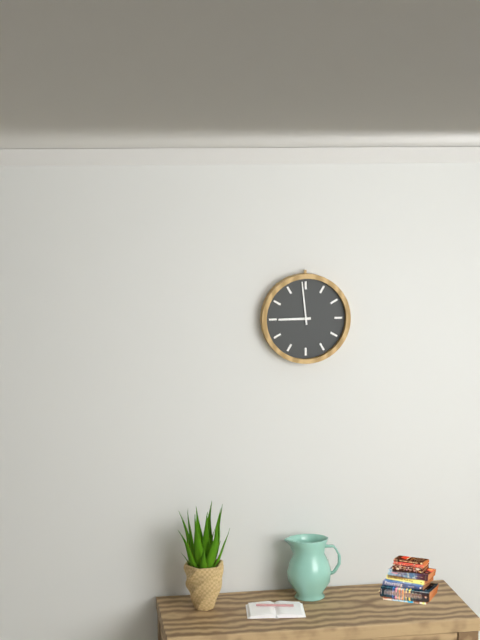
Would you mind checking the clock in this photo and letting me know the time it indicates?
8:59
